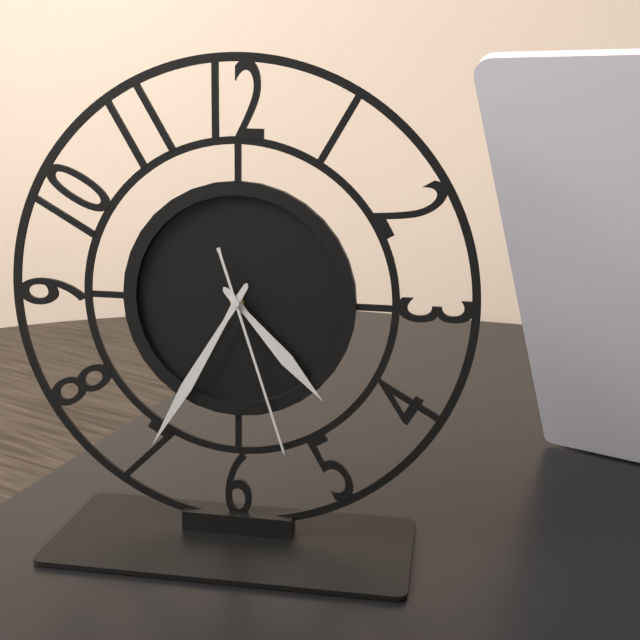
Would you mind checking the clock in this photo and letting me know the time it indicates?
4:35:27
